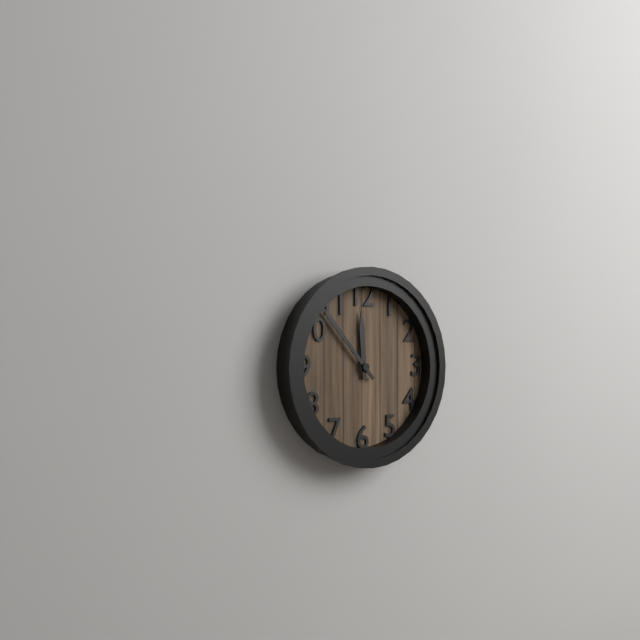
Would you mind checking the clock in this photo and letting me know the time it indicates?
11:53
